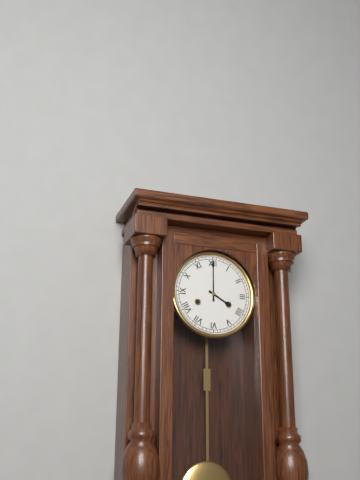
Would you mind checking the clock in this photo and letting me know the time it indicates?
4:00
